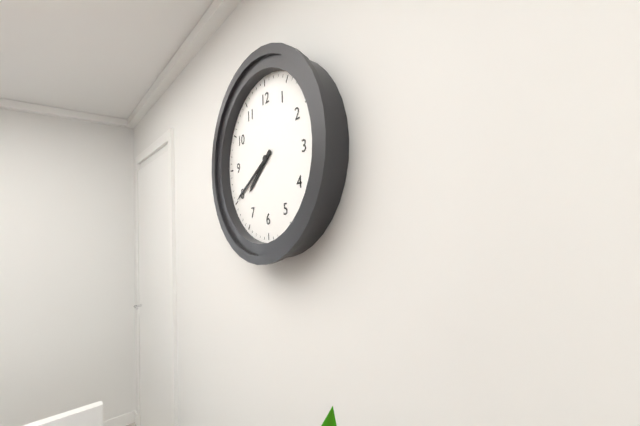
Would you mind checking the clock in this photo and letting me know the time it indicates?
7:40
